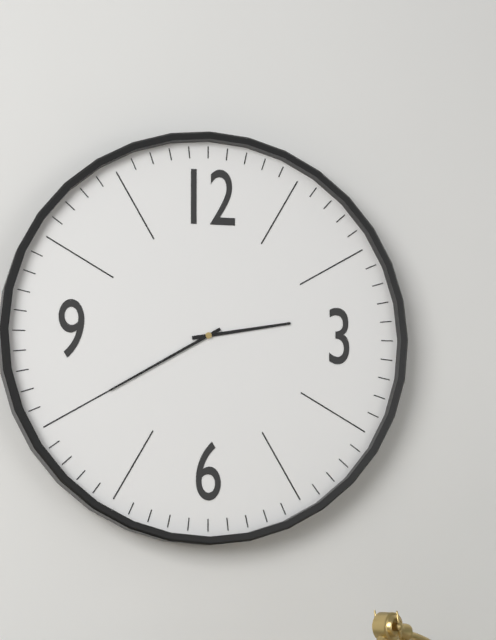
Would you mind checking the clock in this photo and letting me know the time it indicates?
2:40
